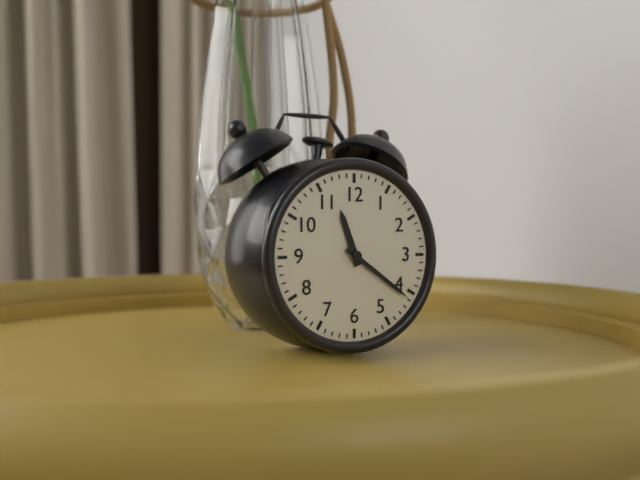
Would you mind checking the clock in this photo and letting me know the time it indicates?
11:21
